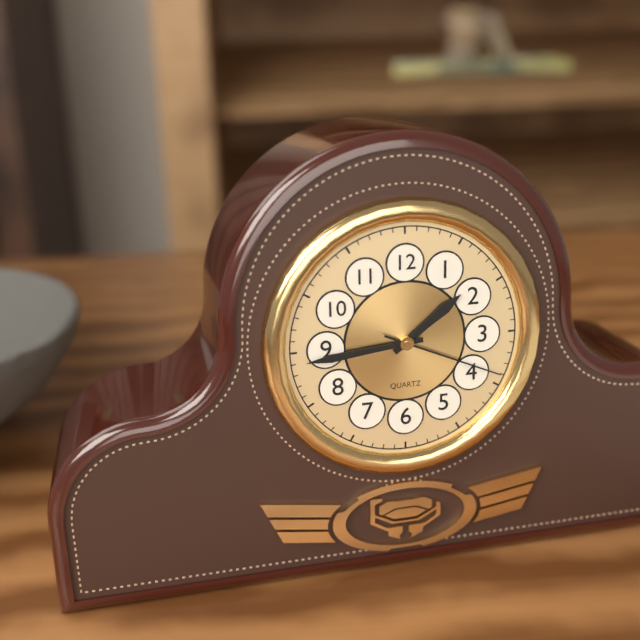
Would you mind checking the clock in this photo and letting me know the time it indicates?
1:44:19
